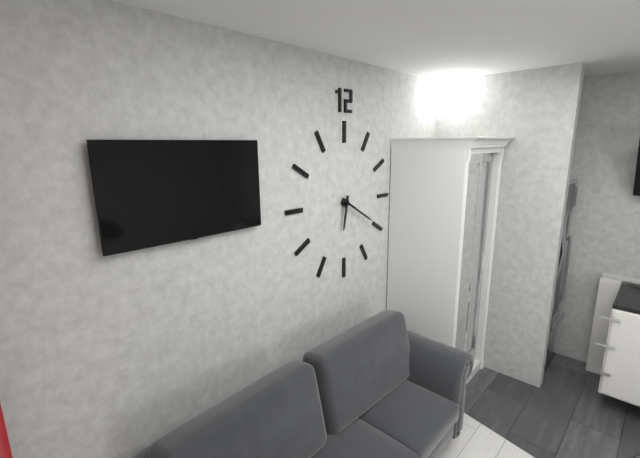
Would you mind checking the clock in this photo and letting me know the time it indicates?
6:20
